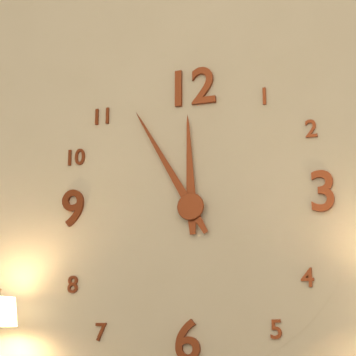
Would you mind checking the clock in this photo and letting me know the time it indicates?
11:55
